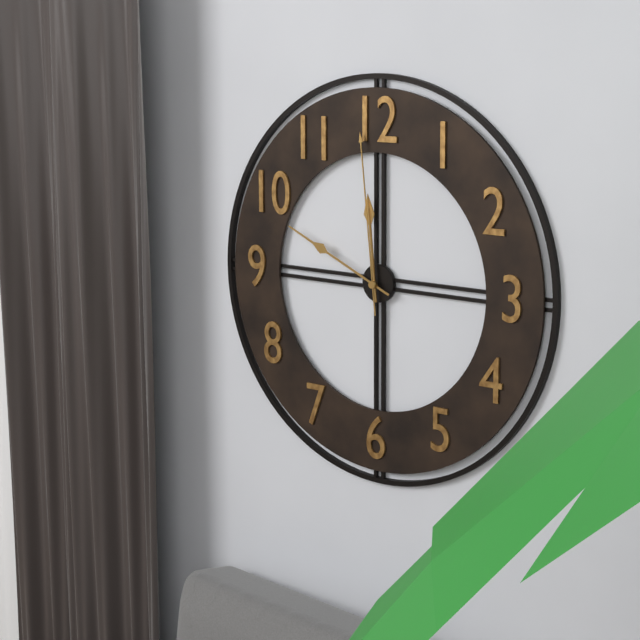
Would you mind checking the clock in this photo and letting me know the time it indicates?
11:49:59
